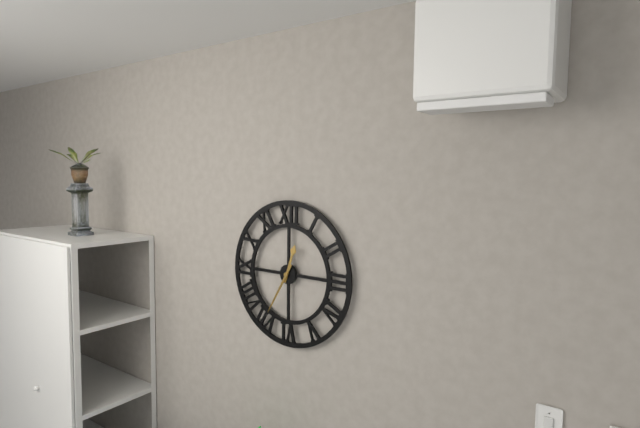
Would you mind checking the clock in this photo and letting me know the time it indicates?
12:35
